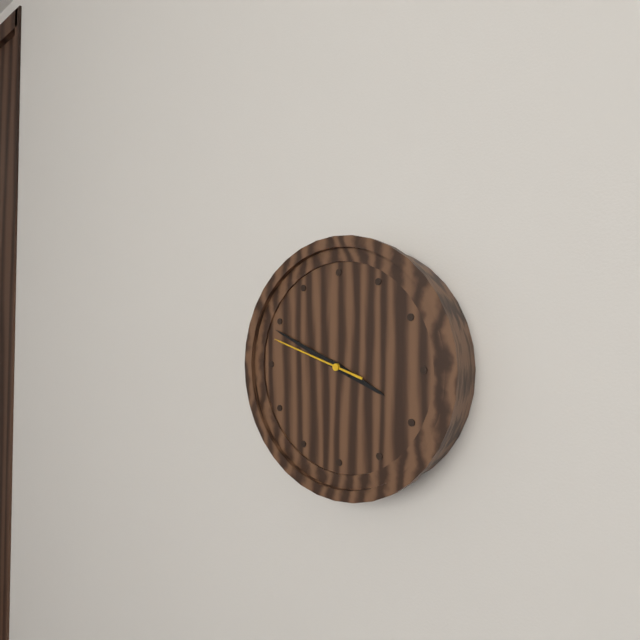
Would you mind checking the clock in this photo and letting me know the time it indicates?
3:49:48
